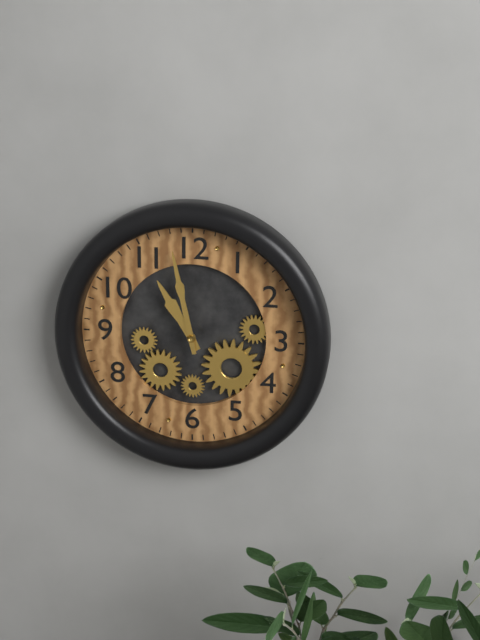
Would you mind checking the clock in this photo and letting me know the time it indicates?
10:58
